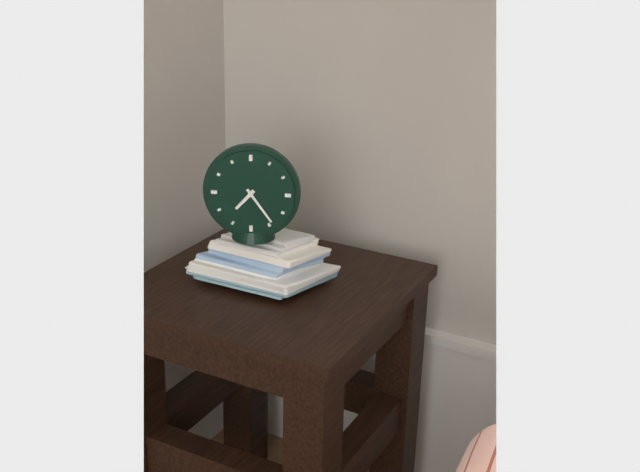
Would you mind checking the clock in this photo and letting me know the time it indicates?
7:24
